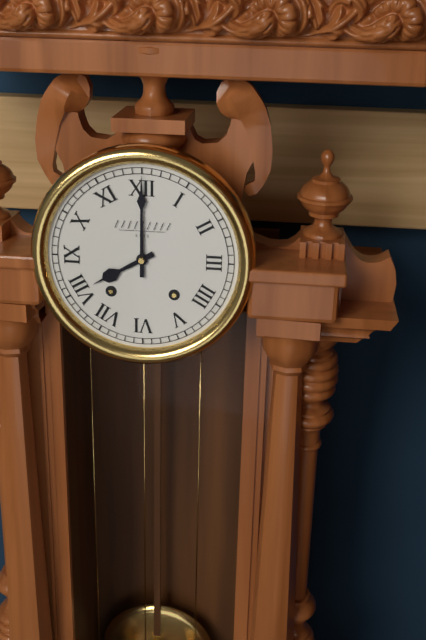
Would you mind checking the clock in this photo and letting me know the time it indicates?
8:00
